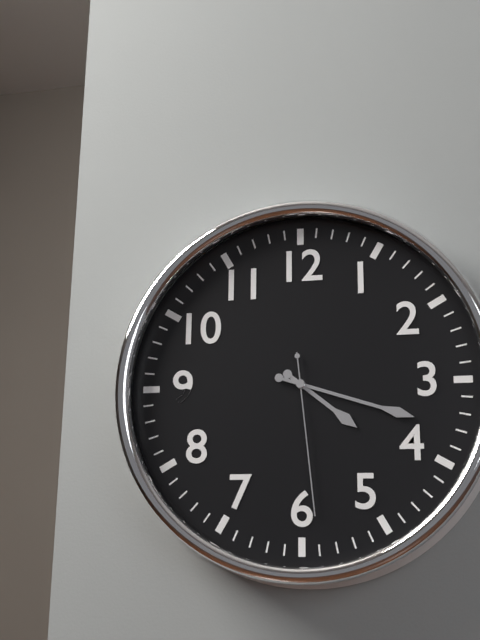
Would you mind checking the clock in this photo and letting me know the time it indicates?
4:18:29
